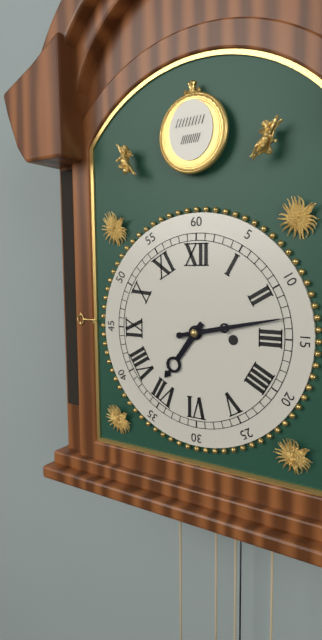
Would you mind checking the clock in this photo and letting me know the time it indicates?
7:13
